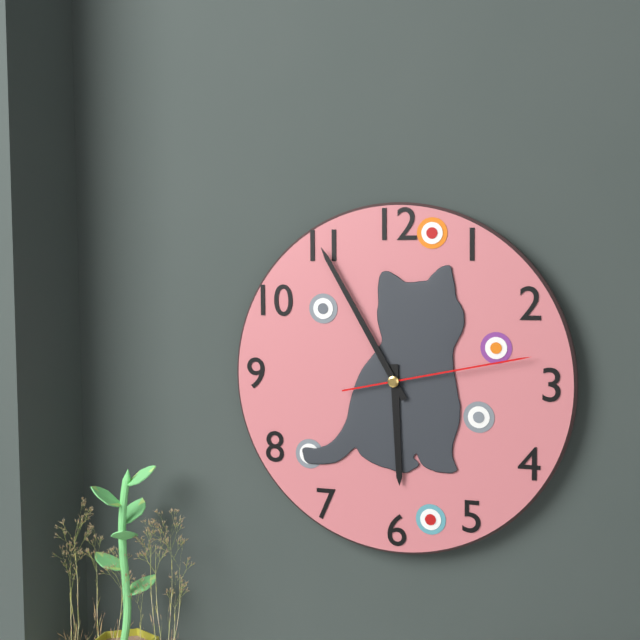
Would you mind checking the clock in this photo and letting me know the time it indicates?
5:55:13
